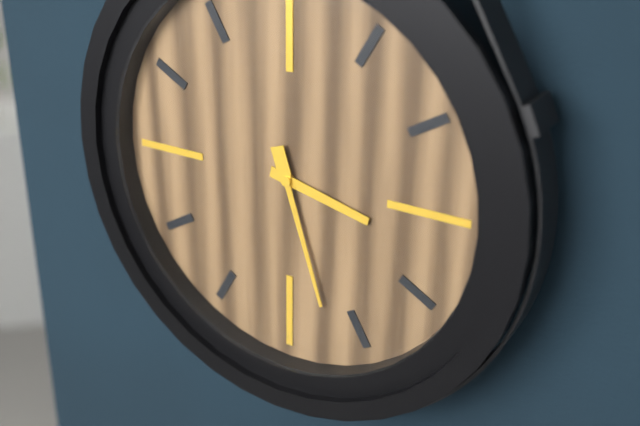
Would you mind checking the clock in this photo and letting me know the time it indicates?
3:27
